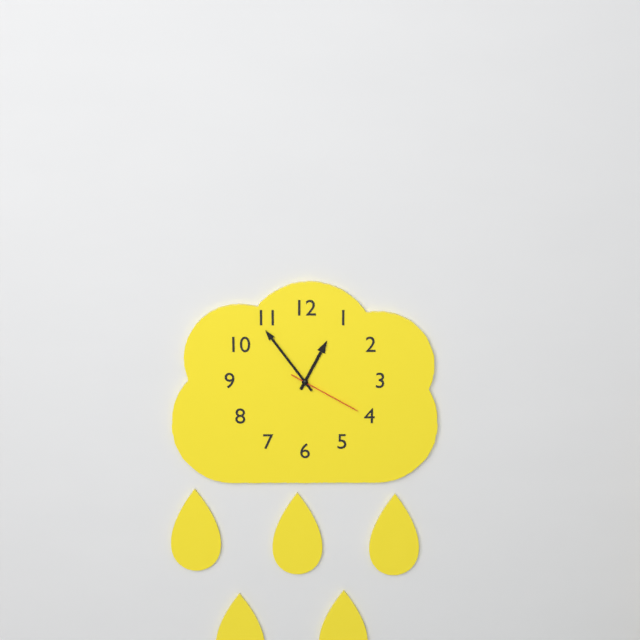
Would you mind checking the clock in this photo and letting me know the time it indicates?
12:54:20
